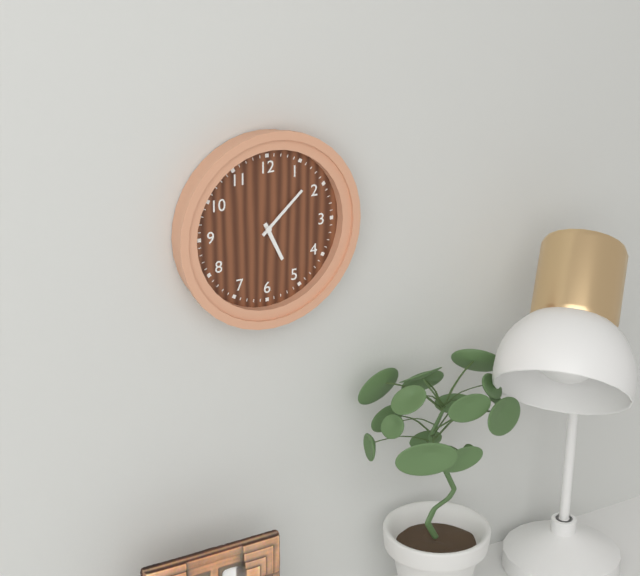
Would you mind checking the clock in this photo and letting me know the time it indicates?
5:08
